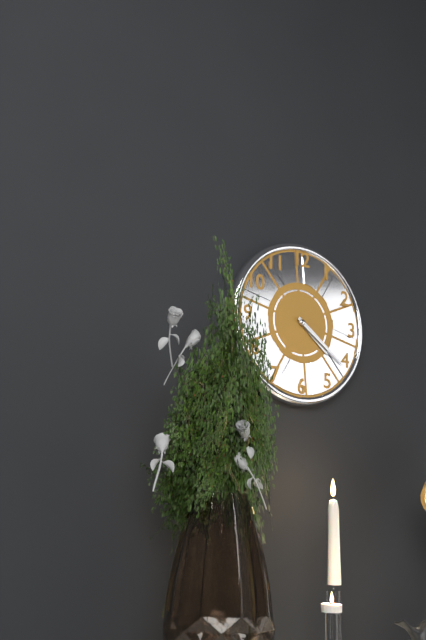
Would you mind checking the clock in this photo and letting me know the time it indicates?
4:21
